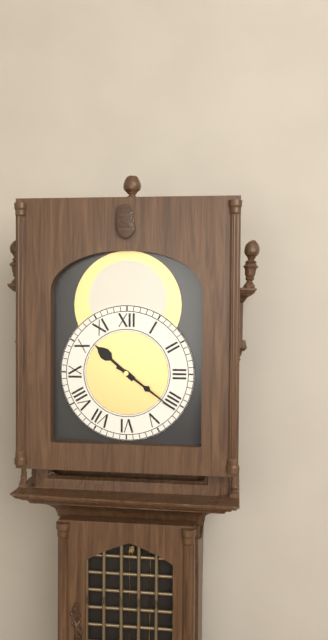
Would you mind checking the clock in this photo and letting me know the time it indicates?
10:21
